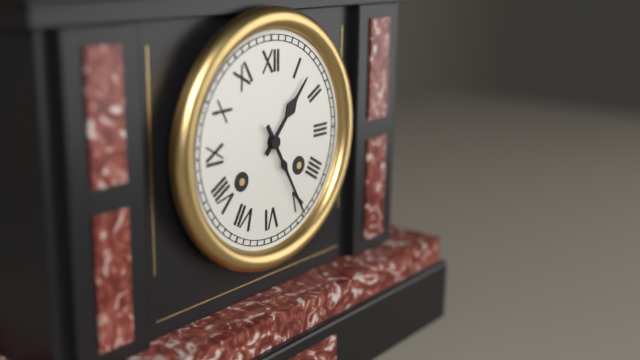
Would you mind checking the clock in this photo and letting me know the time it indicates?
1:25
